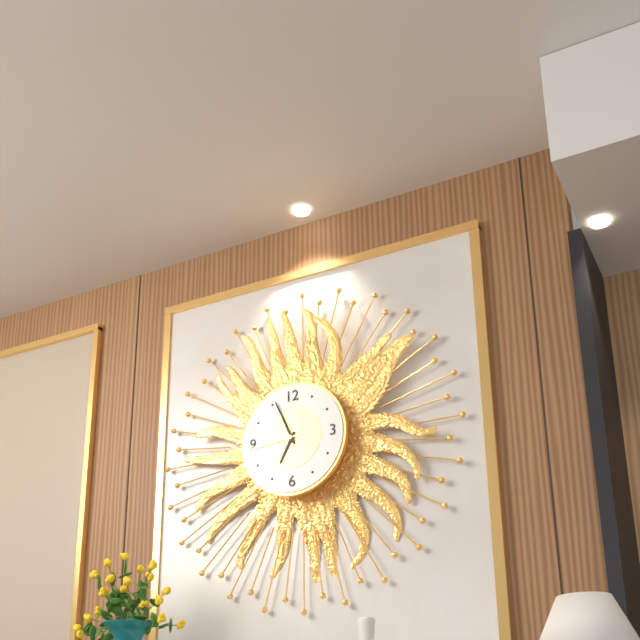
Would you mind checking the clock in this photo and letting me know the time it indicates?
6:56:44
